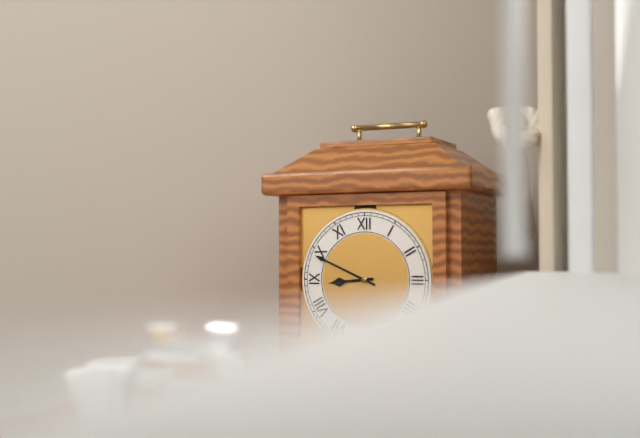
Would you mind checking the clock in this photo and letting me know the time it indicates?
8:49
